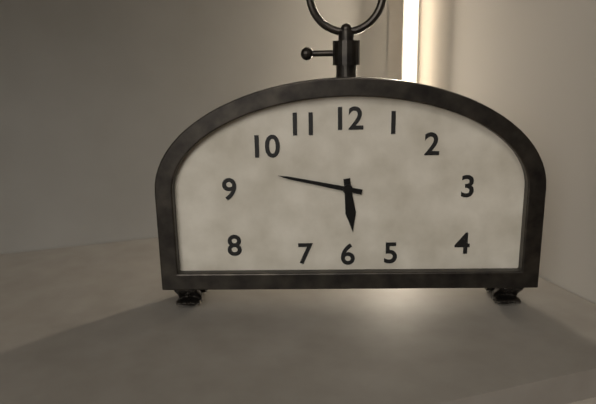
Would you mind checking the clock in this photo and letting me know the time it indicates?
5:47
